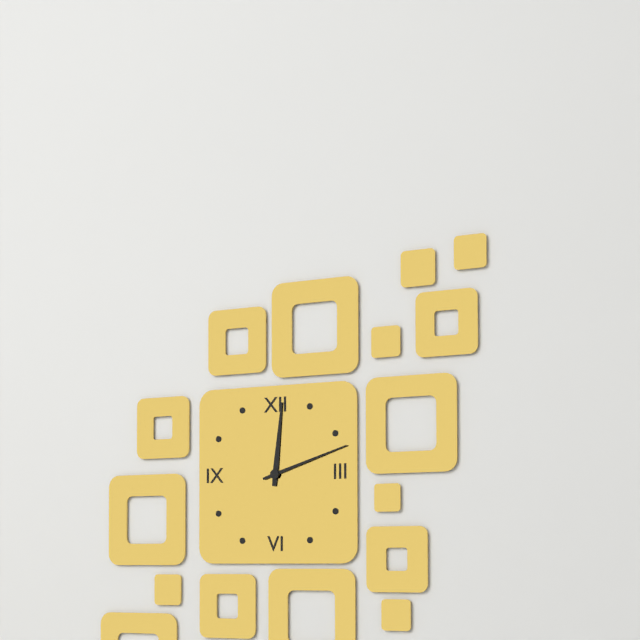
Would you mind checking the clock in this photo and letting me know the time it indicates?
12:12
